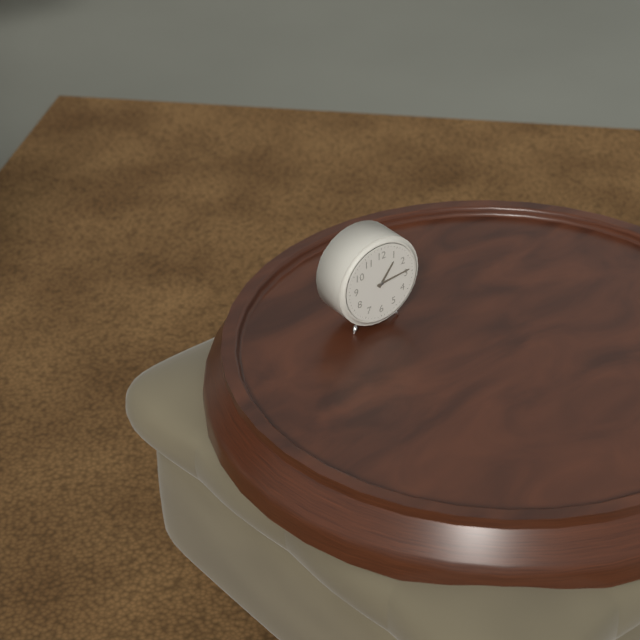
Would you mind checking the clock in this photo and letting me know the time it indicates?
1:14
